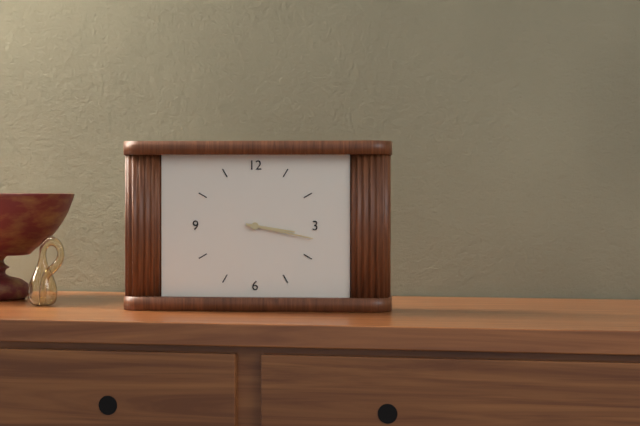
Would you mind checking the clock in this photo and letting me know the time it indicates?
3:17
